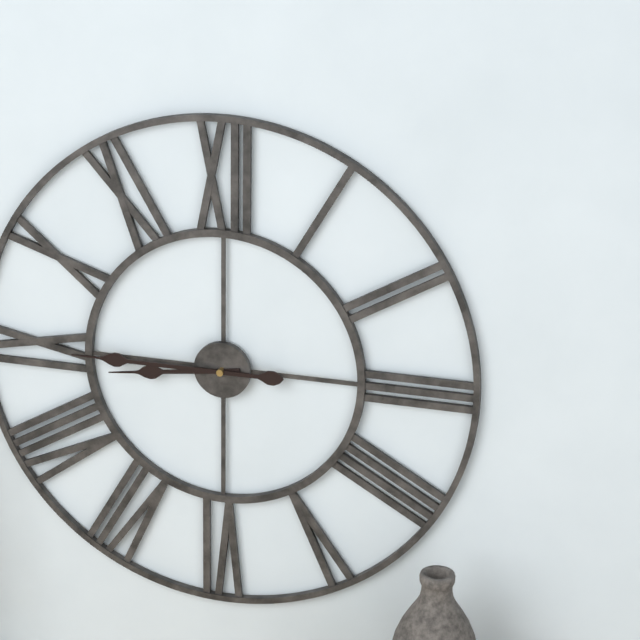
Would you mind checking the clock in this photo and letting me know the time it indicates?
8:45
